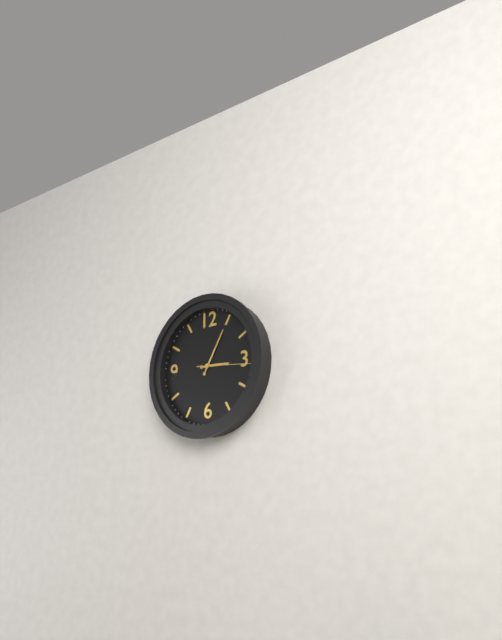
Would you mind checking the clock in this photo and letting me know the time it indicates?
3:05
